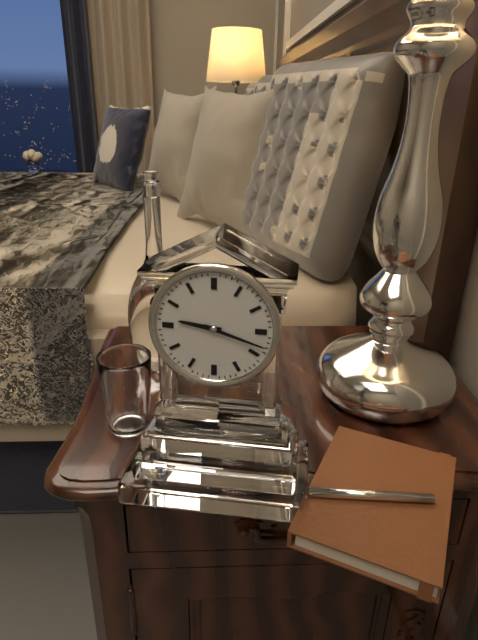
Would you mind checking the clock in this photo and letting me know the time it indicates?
9:18
